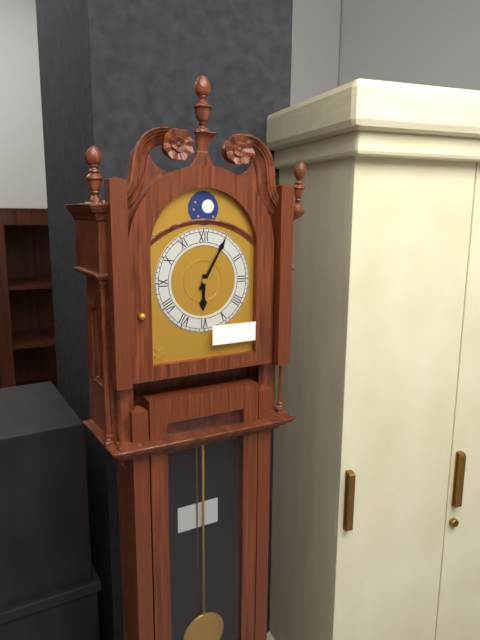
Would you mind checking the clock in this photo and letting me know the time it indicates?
6:05
